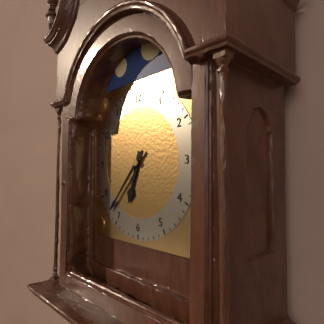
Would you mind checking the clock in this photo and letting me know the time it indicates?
6:37
